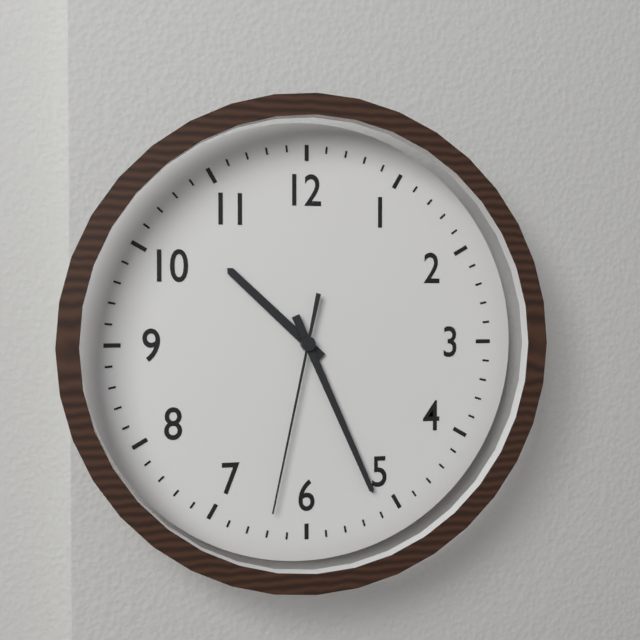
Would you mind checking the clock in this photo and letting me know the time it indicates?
10:26:32
